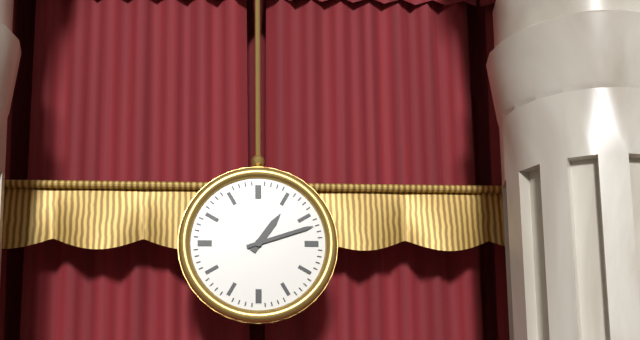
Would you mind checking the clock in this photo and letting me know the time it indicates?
1:12
